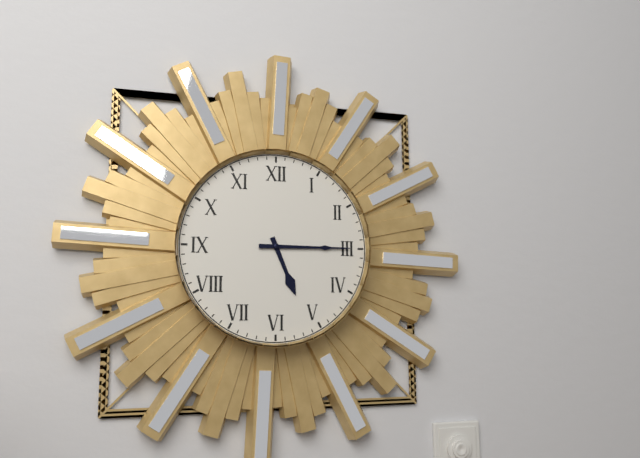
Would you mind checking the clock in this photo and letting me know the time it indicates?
5:15
